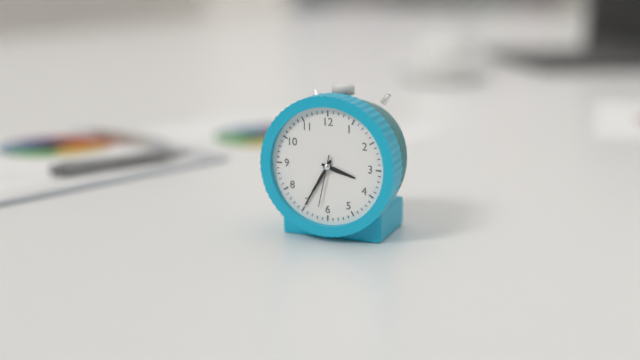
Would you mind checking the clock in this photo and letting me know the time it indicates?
3:35:32
